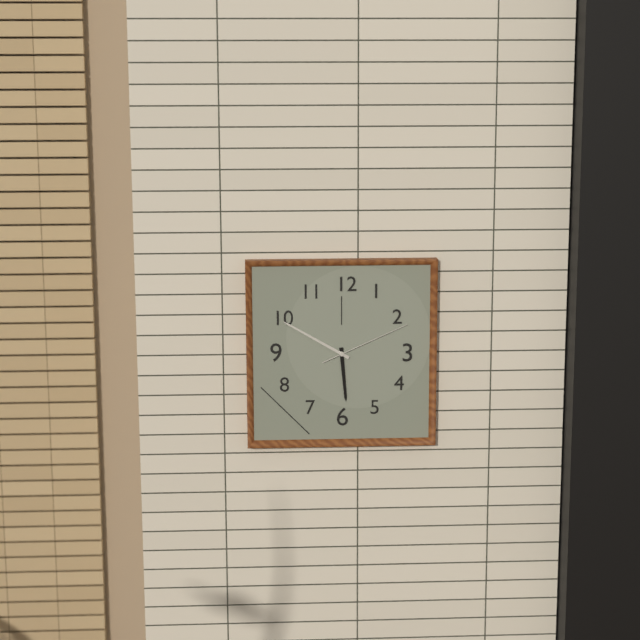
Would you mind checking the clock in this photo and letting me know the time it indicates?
5:50:11
